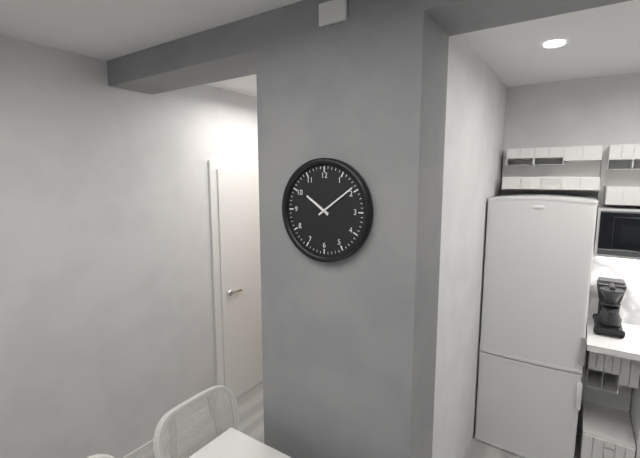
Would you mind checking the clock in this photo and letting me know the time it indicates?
10:09
